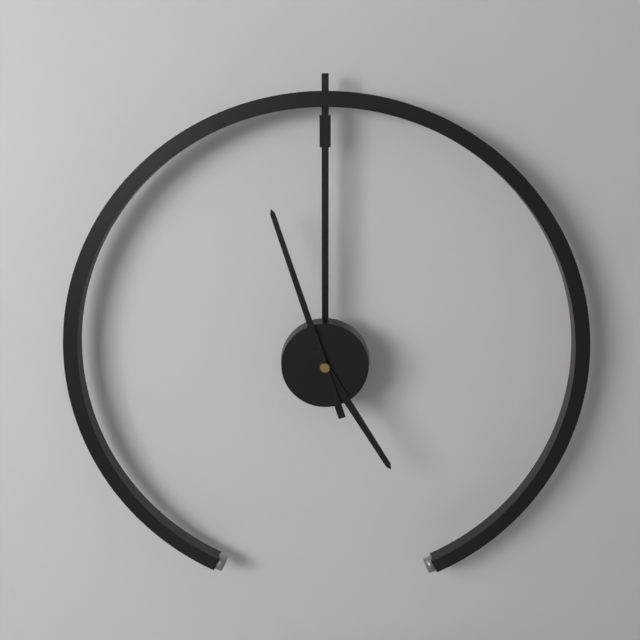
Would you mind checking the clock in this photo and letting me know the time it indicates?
4:57
